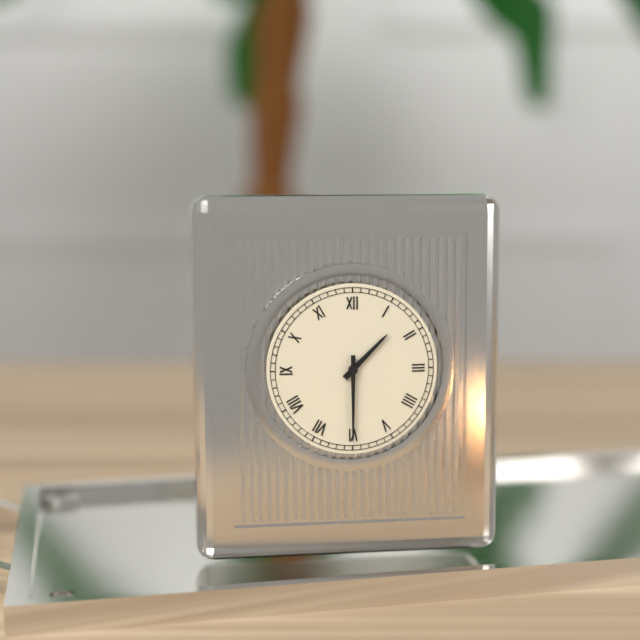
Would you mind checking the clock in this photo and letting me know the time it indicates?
1:30
